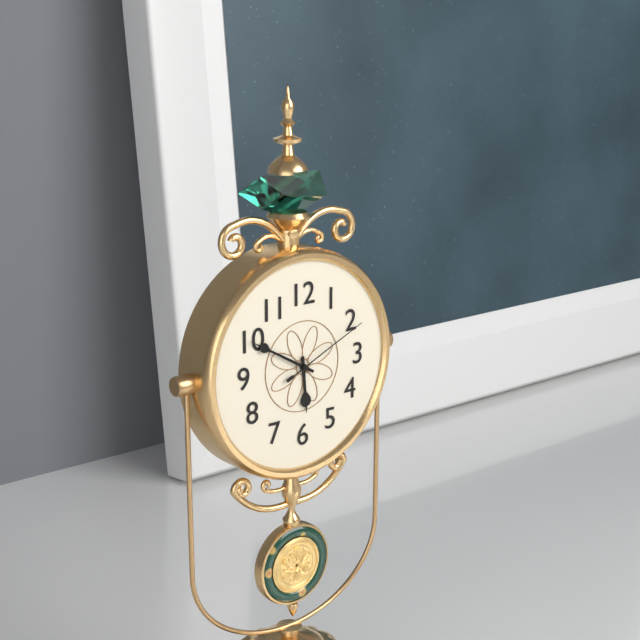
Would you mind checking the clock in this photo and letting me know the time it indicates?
5:50:11
